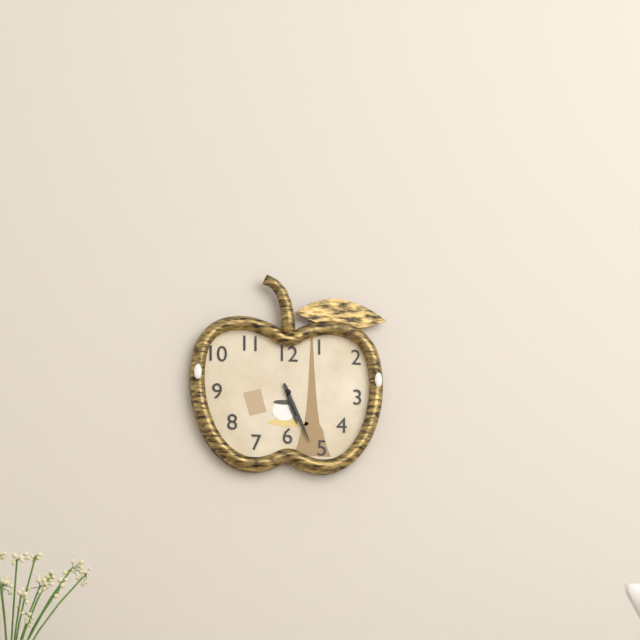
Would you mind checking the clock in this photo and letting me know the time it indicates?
5:26
